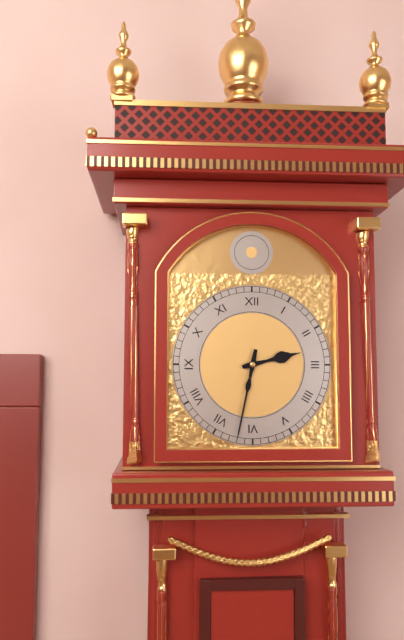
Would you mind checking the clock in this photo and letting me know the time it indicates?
2:32
